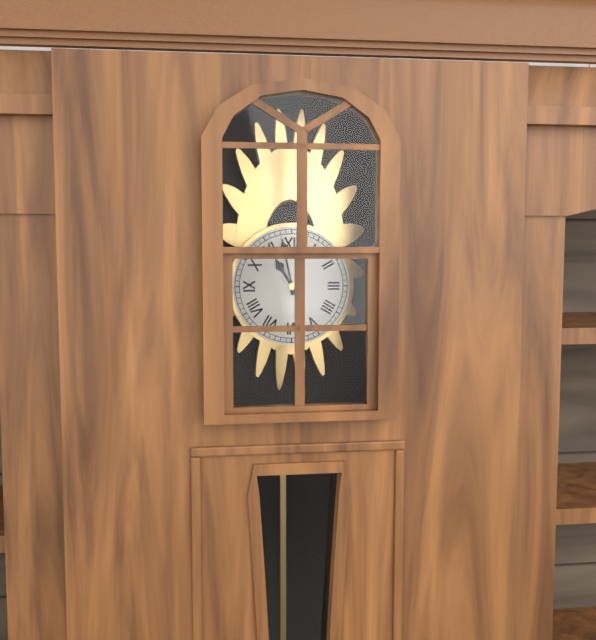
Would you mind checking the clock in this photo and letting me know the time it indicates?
10:58
